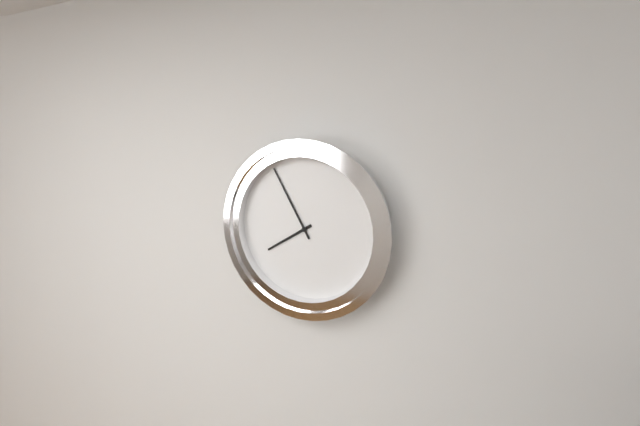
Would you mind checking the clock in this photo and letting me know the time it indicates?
7:55
